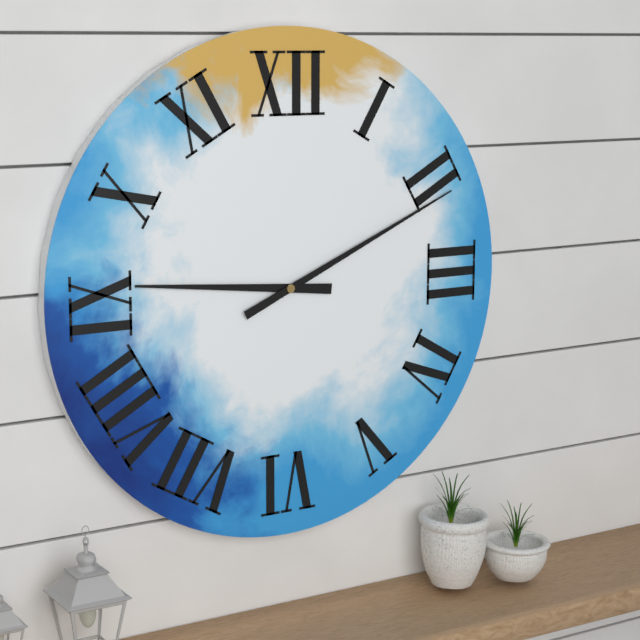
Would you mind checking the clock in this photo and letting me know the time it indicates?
9:11
